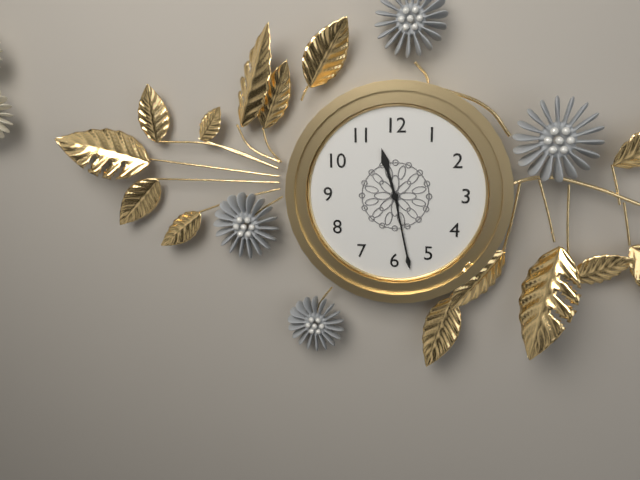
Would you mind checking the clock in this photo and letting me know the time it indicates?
11:28
